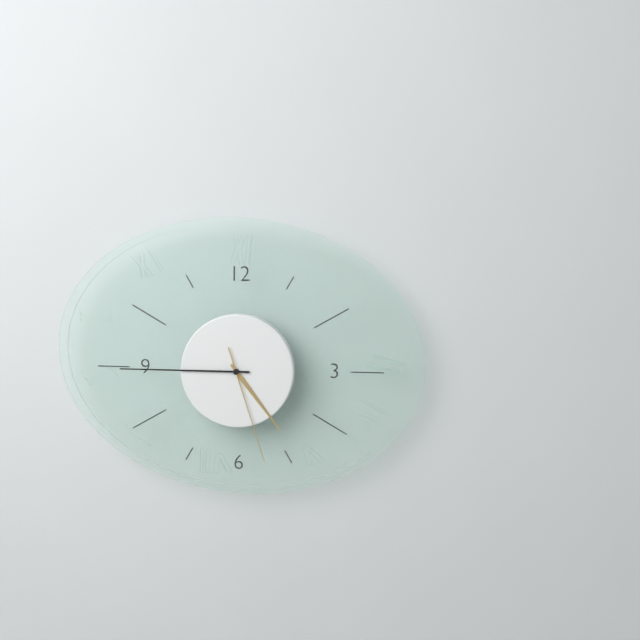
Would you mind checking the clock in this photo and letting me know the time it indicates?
4:45:27
